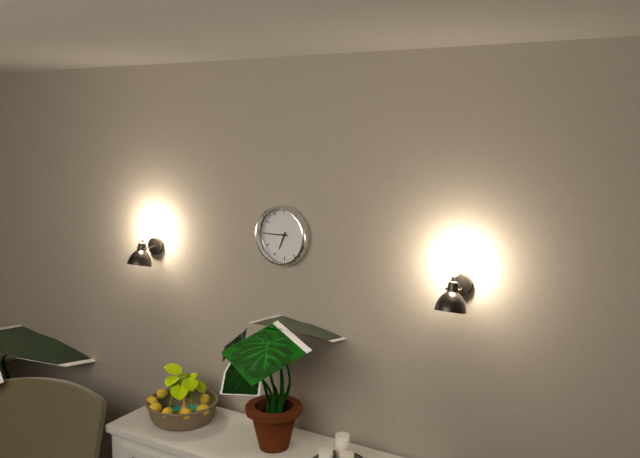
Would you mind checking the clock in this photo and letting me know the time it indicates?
6:45
